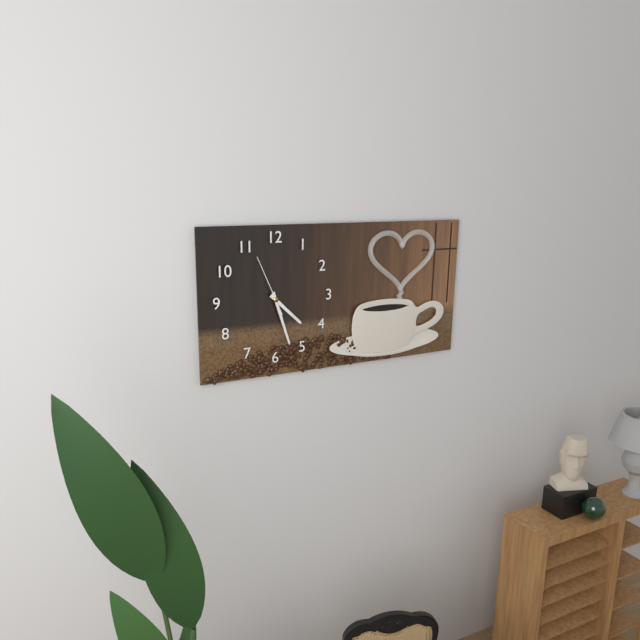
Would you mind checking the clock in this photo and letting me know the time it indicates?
4:27:56
